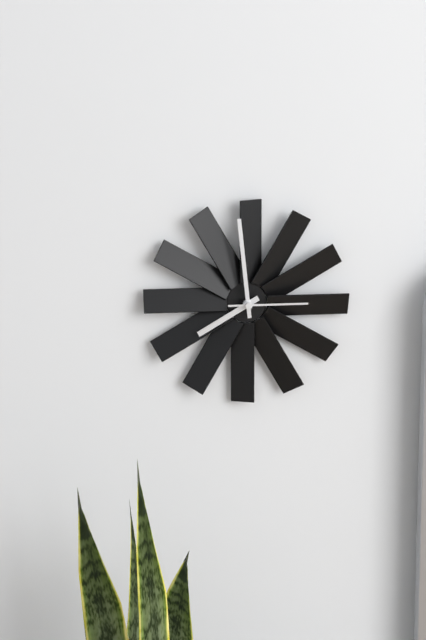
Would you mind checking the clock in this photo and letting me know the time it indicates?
7:59:15
